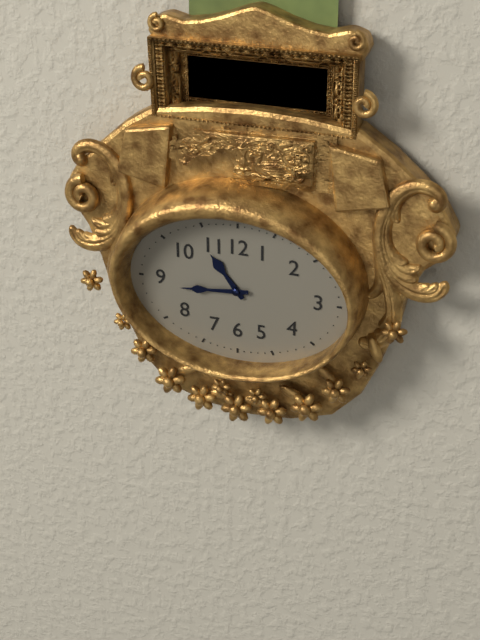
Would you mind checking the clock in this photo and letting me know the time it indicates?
10:44
